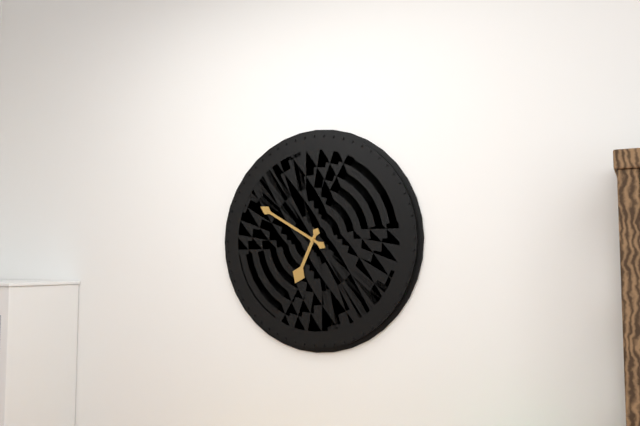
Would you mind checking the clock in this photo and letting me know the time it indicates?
6:50
